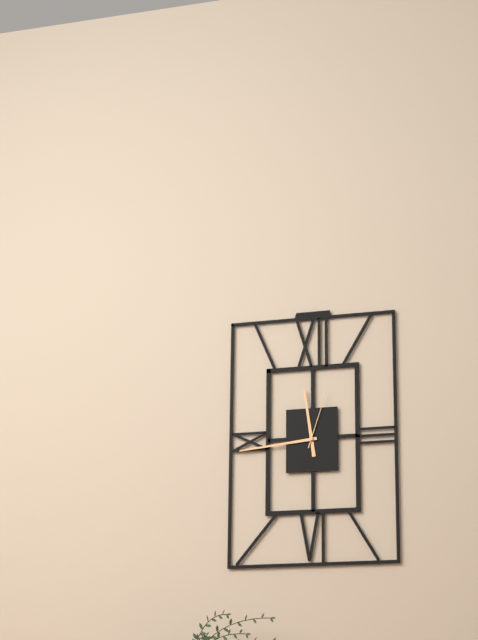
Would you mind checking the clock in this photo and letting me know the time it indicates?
11:44:03
